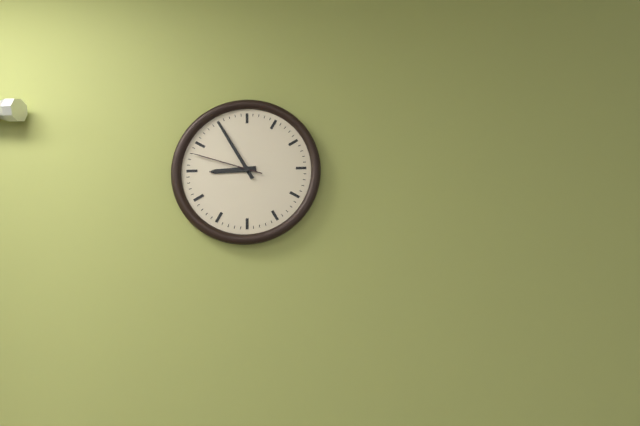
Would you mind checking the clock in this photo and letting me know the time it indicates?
8:55:48
